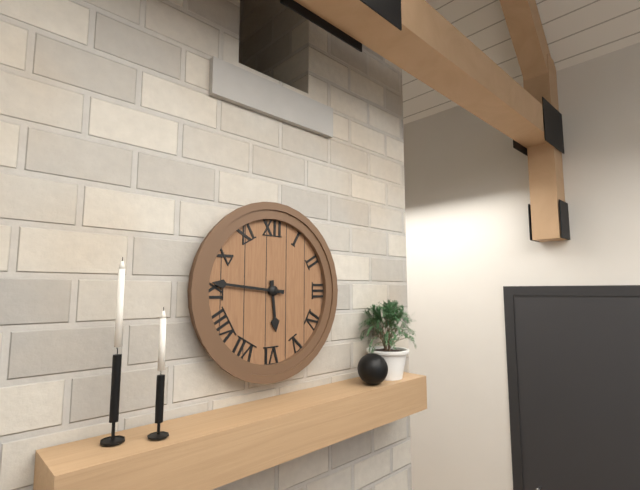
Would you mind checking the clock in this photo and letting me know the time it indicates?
5:46
